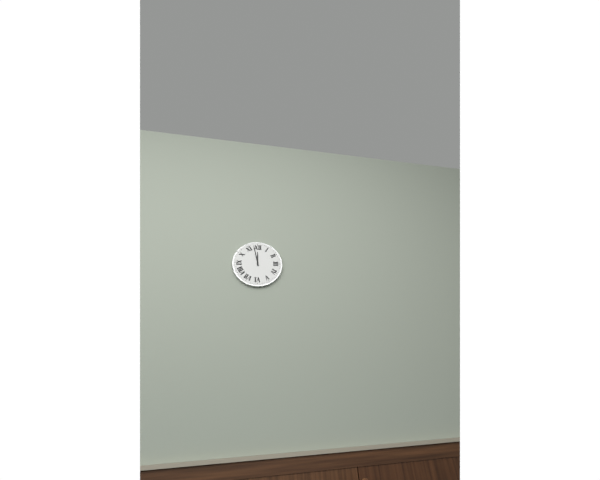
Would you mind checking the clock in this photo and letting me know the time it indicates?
11:58
